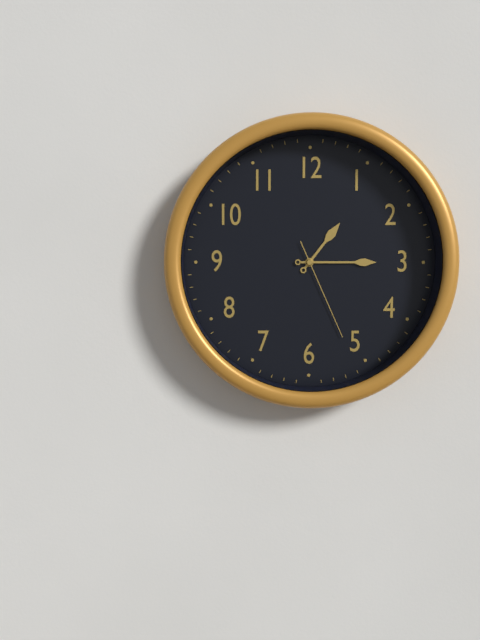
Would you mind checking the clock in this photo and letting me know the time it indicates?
1:15:26
